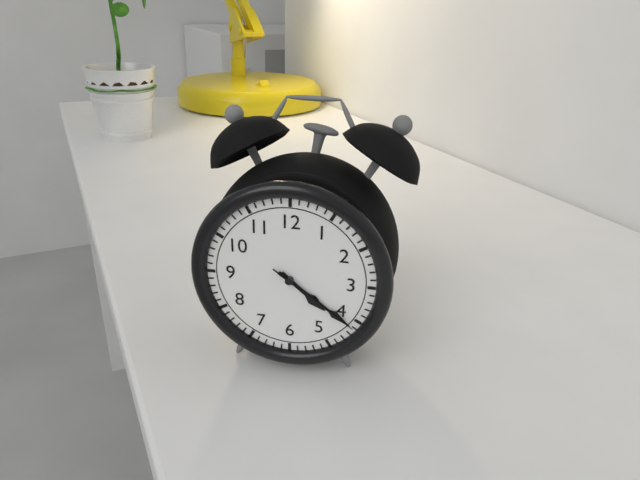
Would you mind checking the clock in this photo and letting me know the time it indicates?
4:21:21
